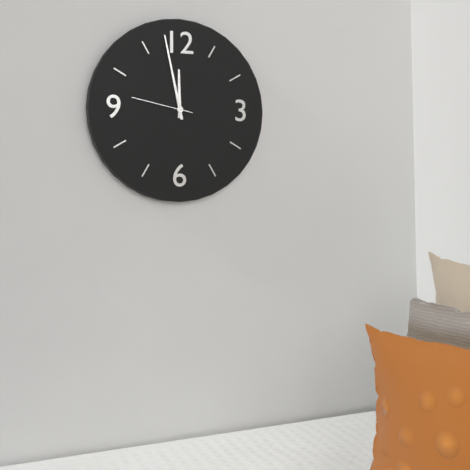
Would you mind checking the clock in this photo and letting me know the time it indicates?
11:58:47
